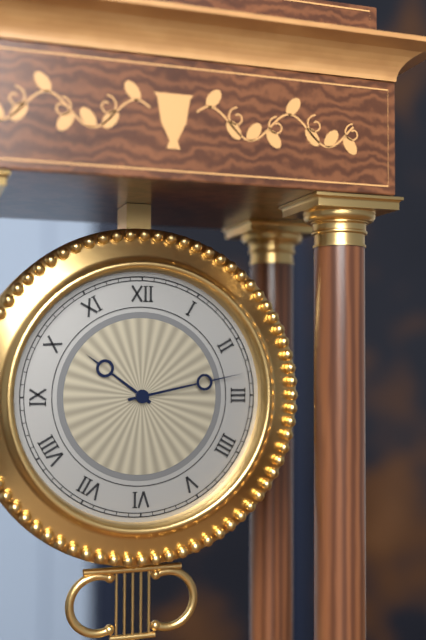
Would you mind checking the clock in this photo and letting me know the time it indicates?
10:13
